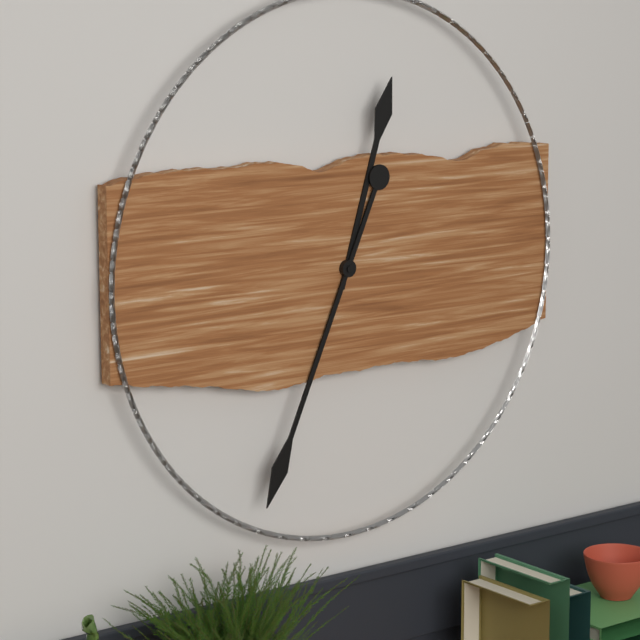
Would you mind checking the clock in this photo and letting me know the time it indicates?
12:34
